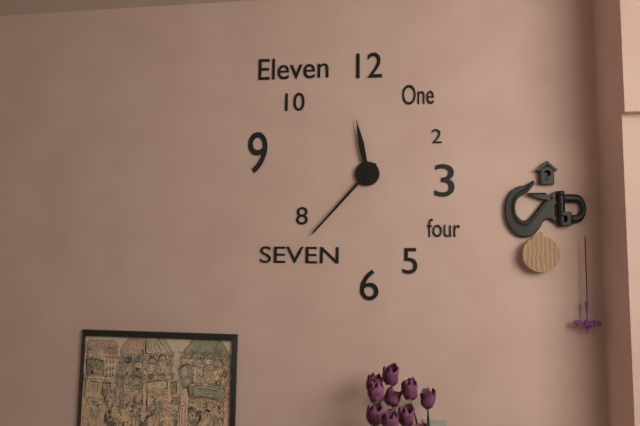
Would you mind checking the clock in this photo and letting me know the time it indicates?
11:37
